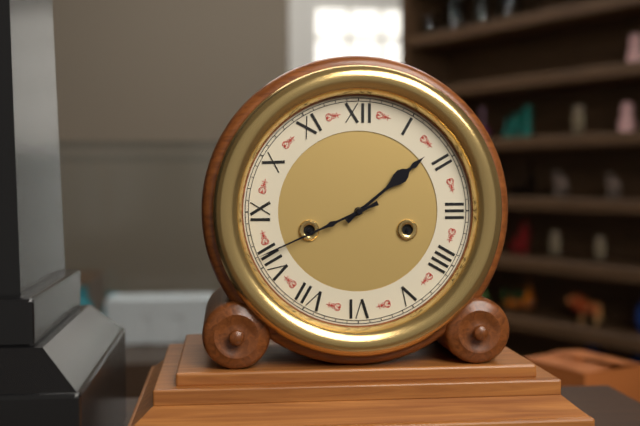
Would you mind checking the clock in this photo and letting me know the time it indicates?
1:41
